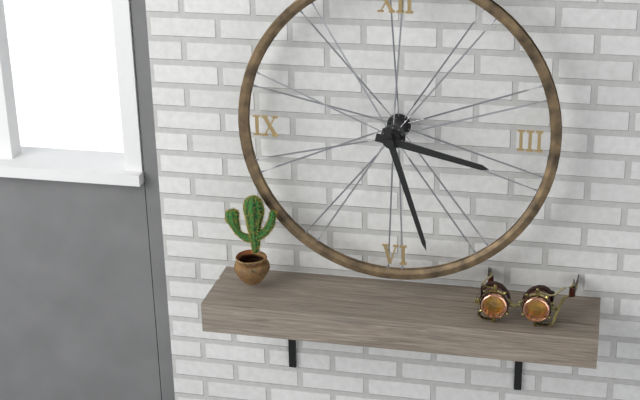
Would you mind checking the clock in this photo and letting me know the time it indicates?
3:27
